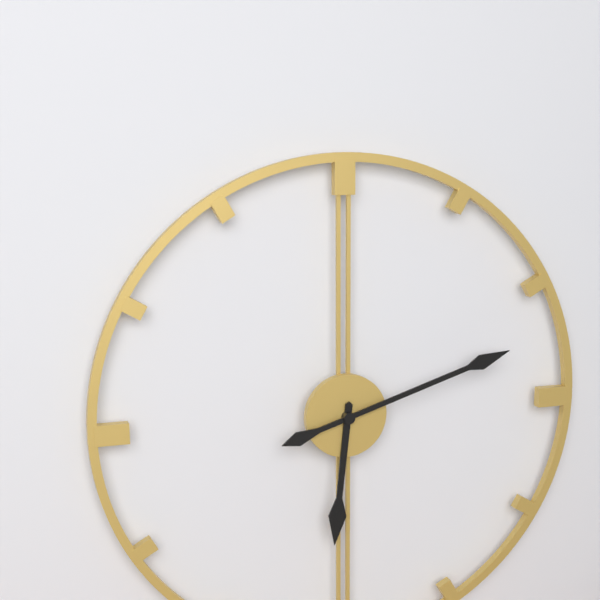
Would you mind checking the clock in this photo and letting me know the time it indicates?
6:12
